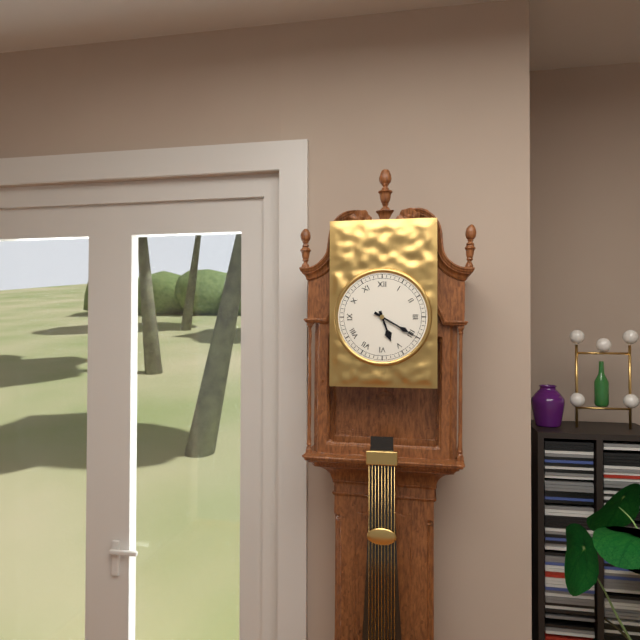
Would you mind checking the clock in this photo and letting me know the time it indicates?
5:20
